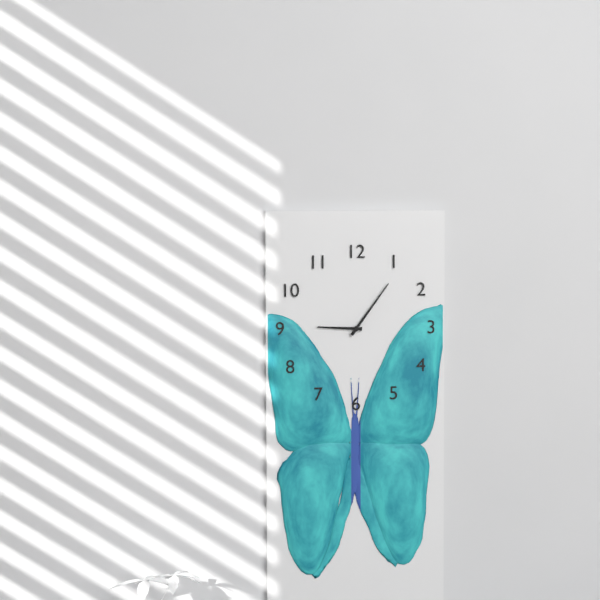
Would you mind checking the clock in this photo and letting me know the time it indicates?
9:06
